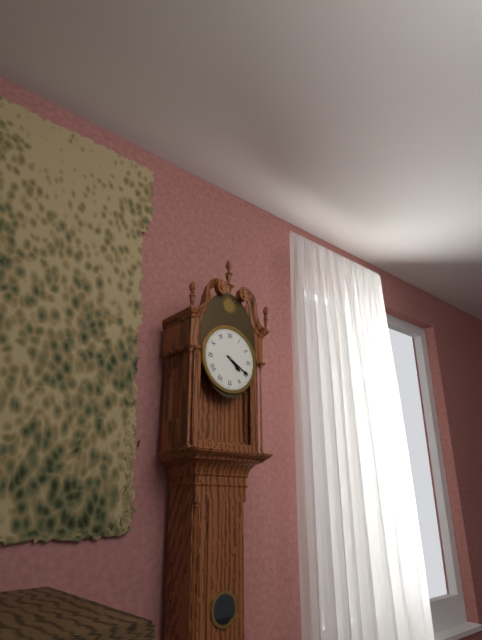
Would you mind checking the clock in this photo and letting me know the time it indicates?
4:20
